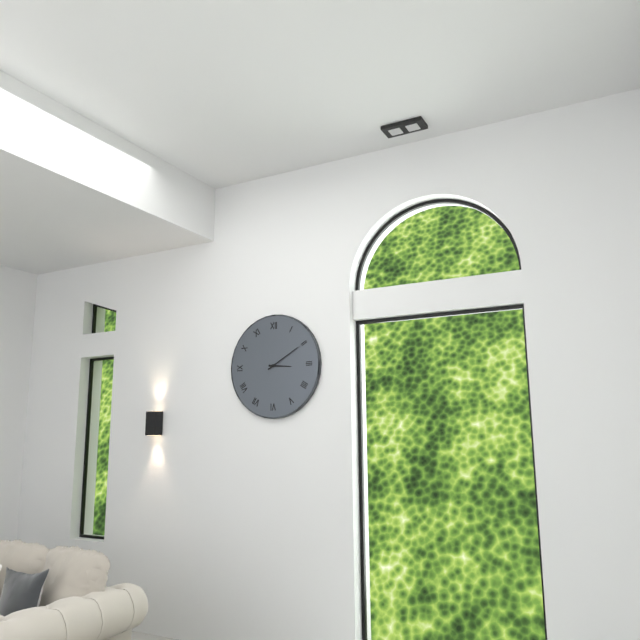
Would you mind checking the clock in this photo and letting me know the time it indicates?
3:10
